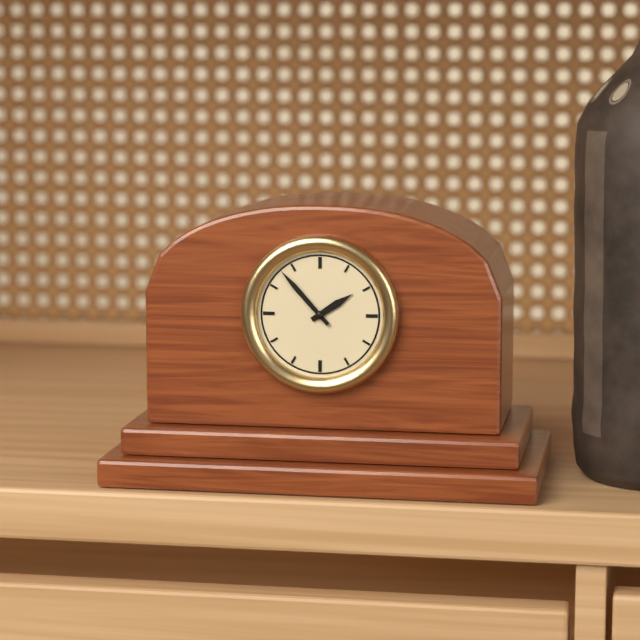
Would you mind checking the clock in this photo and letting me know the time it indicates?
1:53
